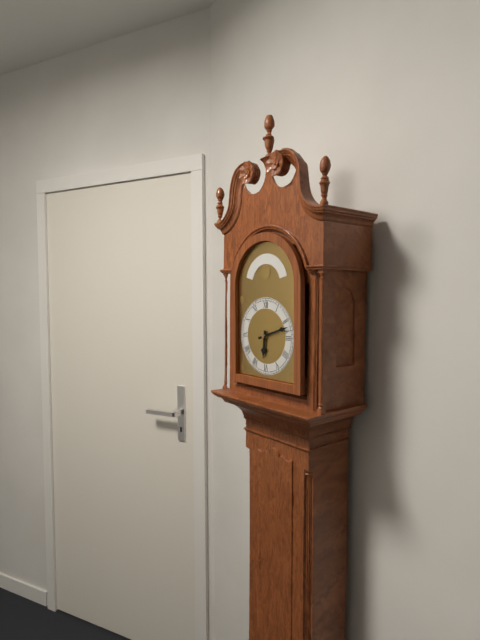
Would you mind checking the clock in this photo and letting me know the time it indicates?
6:12
